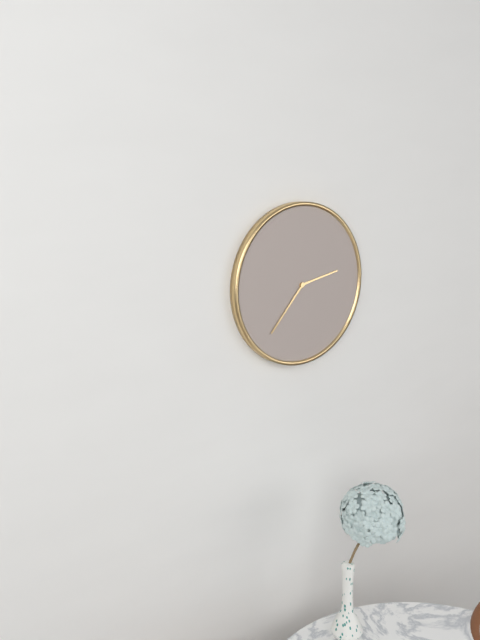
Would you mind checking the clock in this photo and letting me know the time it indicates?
2:37
